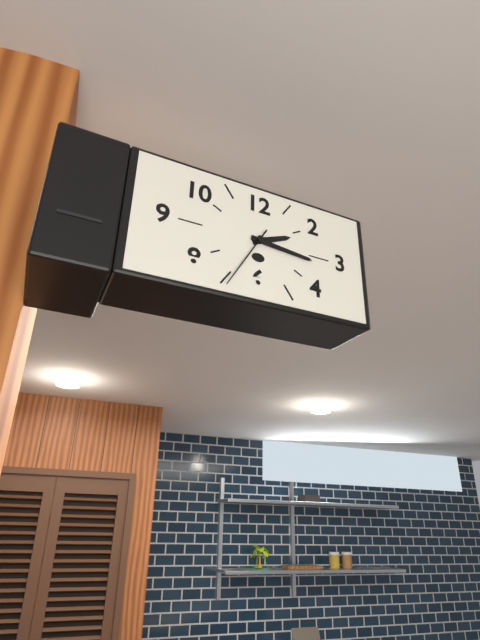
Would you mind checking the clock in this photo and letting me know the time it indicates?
2:16:35
